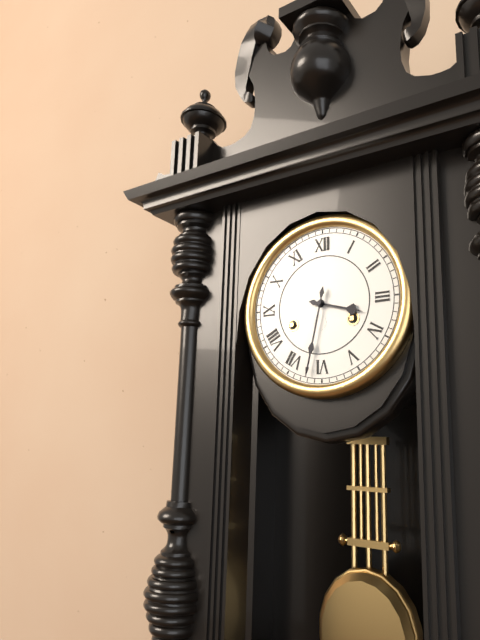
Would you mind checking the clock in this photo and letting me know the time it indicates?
3:32
